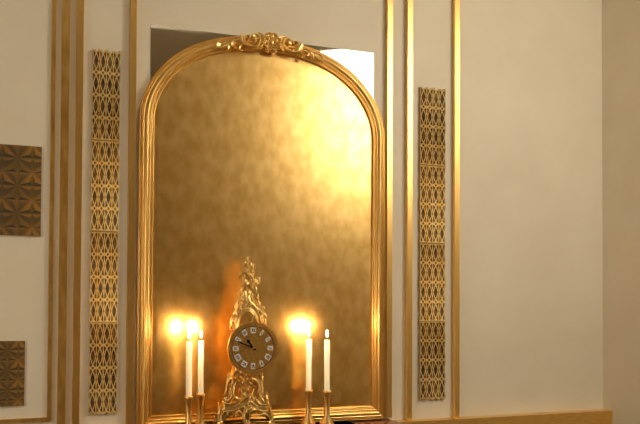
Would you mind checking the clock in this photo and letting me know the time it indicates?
10:49
